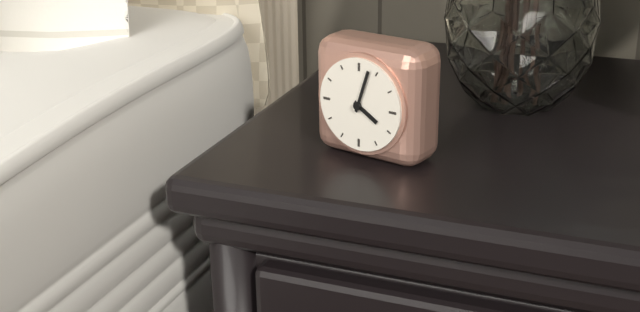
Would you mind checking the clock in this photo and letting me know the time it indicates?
4:03
